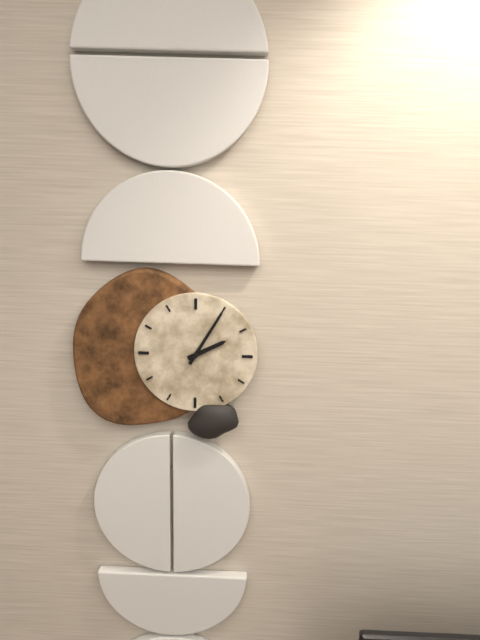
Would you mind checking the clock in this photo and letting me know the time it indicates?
2:05
